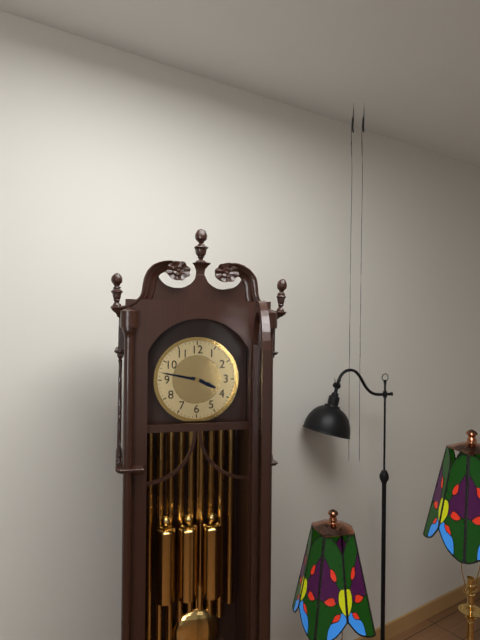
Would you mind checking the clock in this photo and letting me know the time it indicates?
3:47
